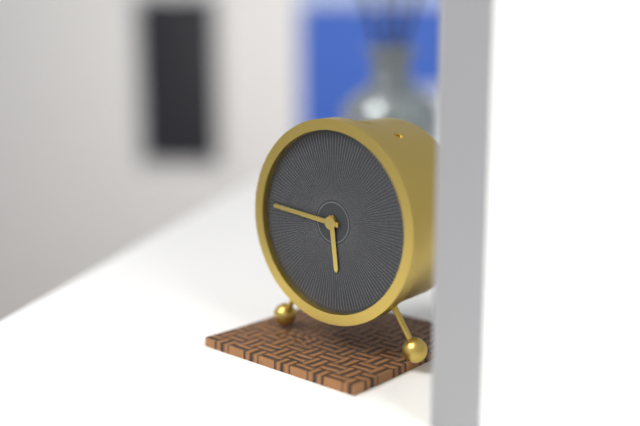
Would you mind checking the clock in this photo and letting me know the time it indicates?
5:46
